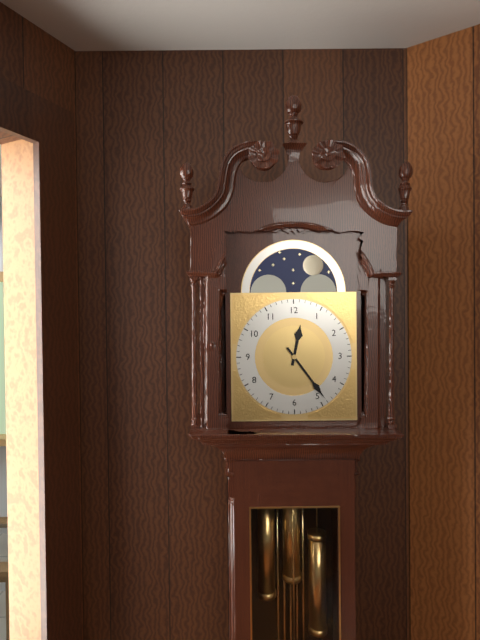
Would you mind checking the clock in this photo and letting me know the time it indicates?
12:24
